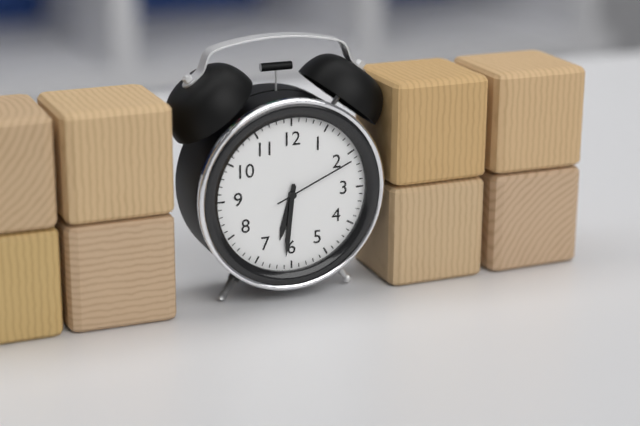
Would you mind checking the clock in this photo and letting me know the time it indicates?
6:31:11
